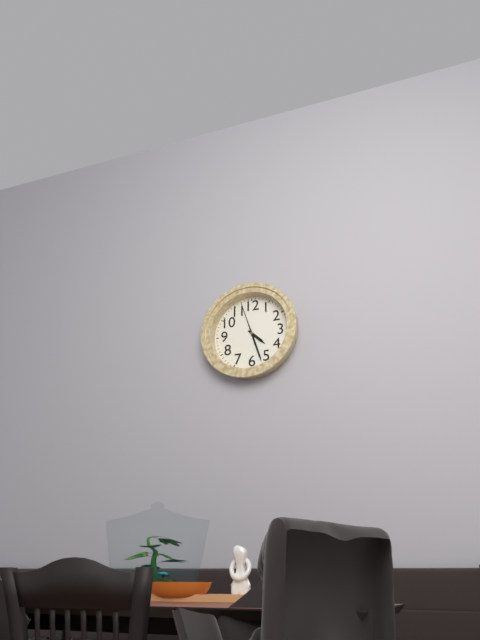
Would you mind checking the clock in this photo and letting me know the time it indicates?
4:27
